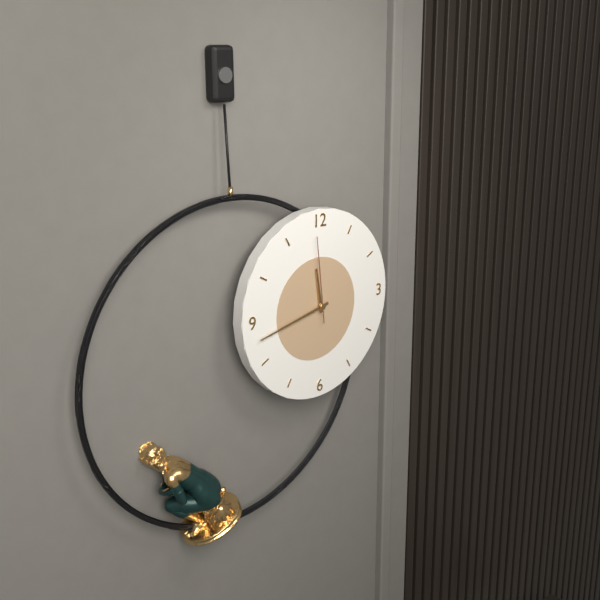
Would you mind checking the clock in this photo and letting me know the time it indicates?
11:43:59
